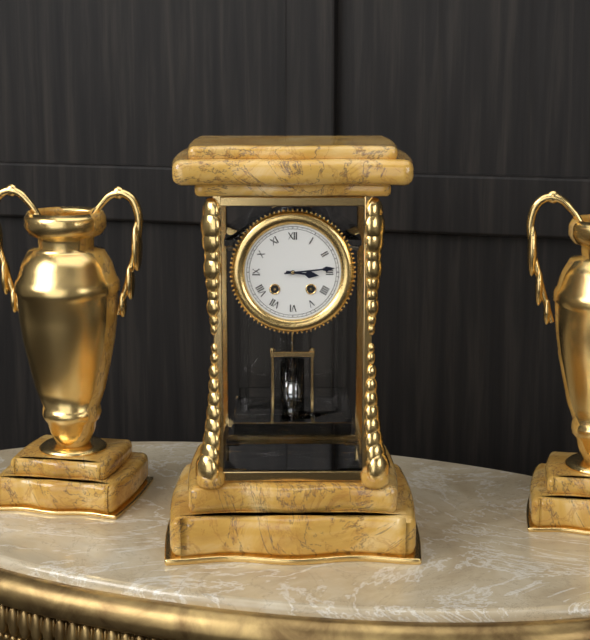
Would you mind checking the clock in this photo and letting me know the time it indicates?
3:14
